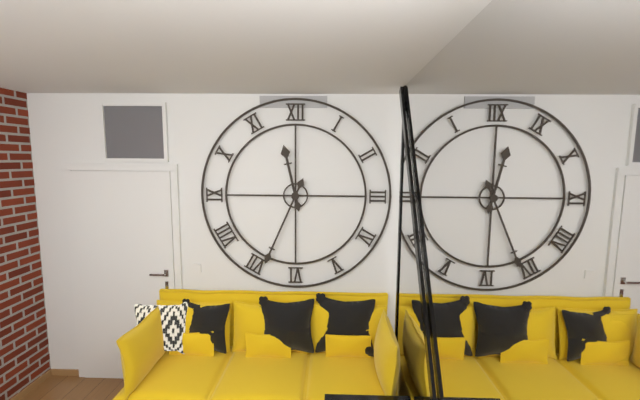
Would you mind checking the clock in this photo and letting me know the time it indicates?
11:34
